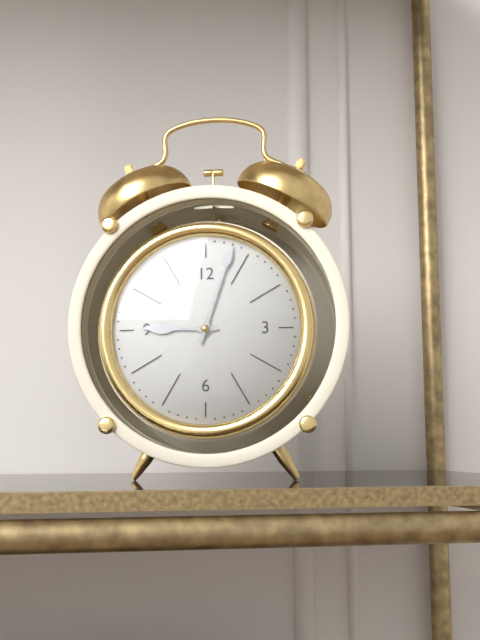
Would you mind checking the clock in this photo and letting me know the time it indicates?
9:03
